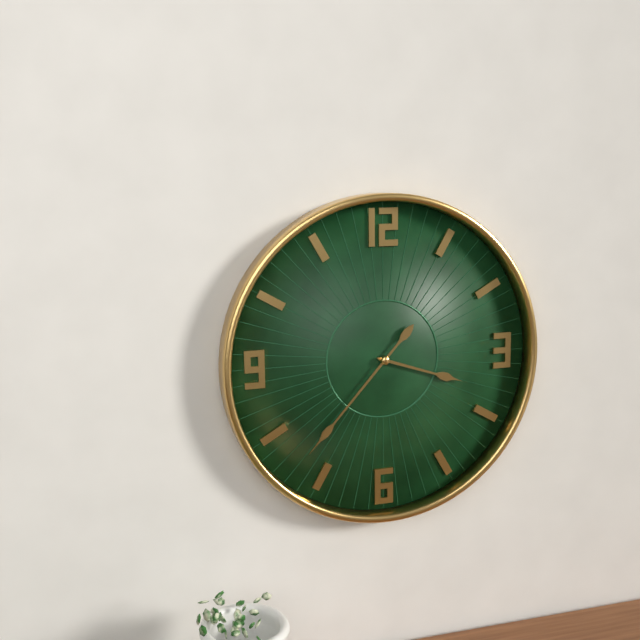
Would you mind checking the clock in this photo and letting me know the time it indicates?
3:37
